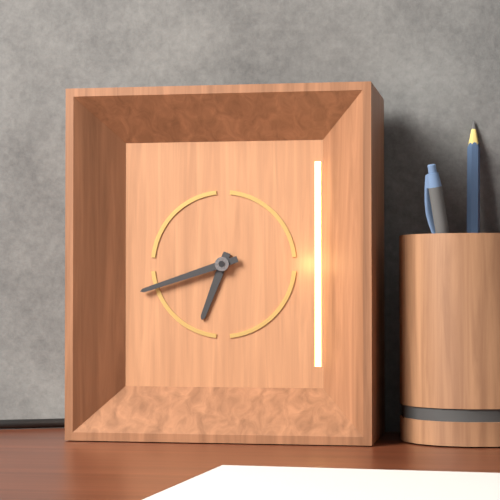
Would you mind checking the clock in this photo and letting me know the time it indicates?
6:42
